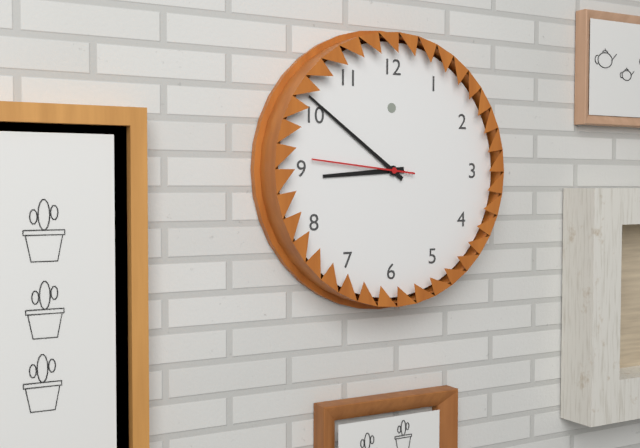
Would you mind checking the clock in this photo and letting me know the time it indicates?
8:51:46
